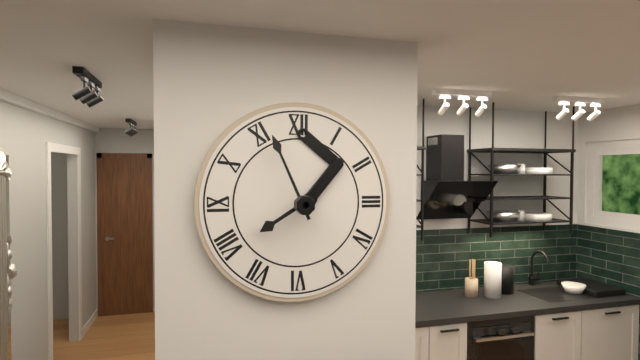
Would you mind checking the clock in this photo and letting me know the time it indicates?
7:56
